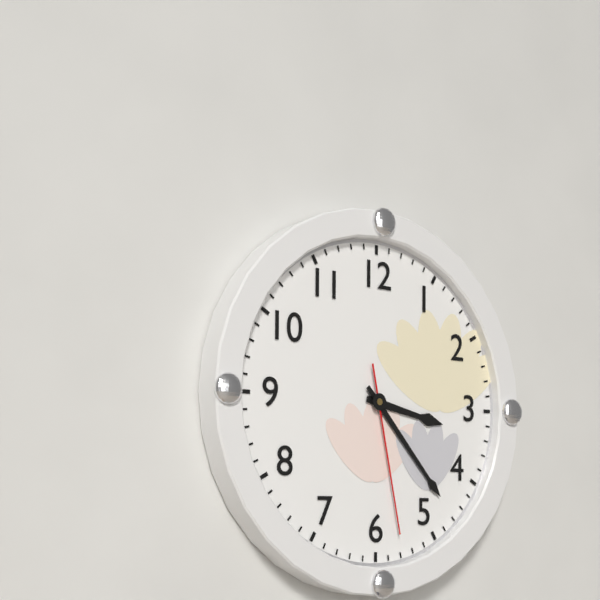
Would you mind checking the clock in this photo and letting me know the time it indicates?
3:23:28
